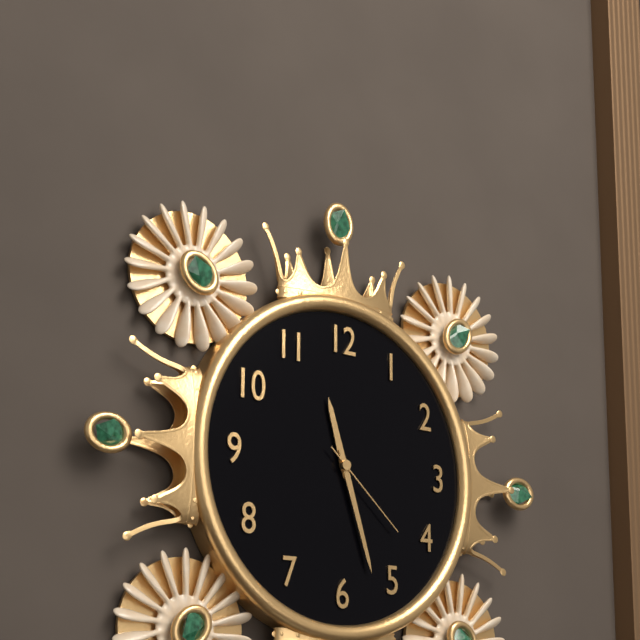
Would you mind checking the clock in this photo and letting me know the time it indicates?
11:27:22
